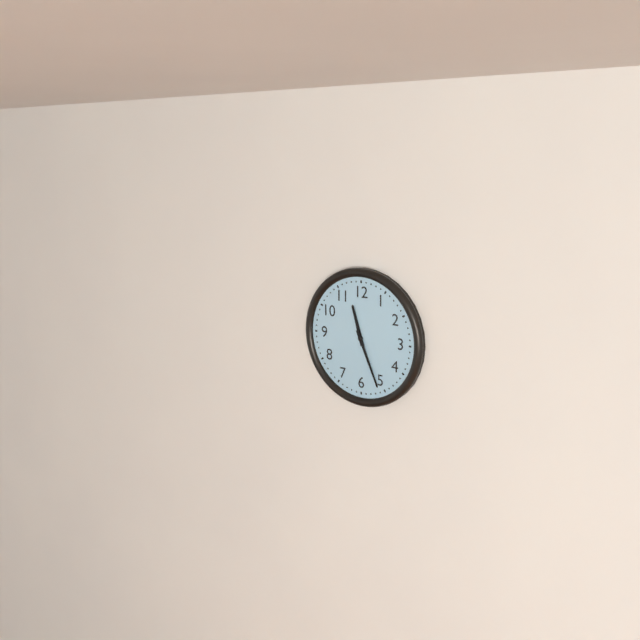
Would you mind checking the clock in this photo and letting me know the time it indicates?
11:26
